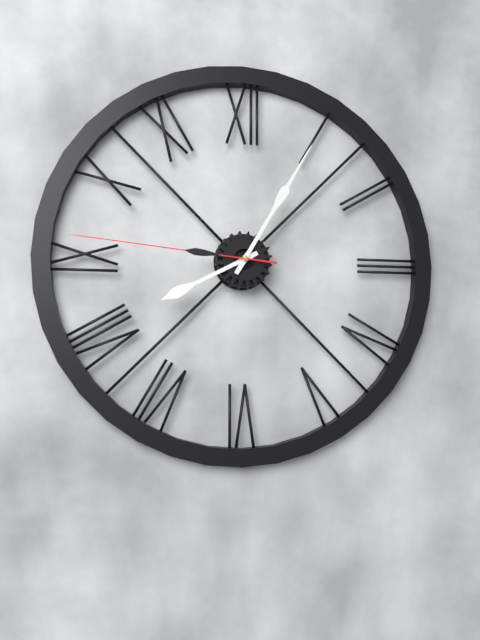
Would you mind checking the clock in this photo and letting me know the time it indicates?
8:05:46
